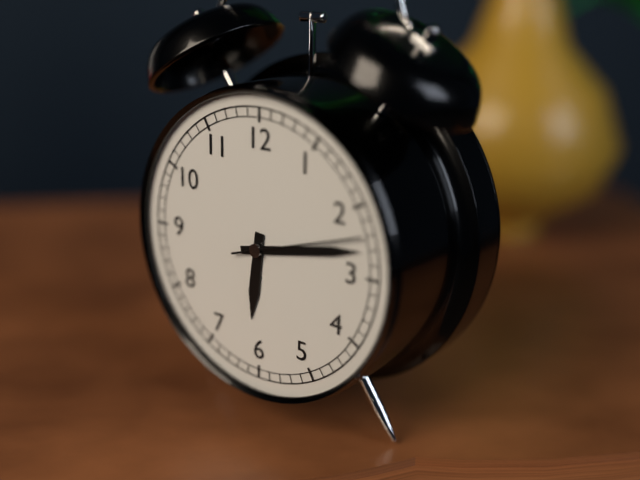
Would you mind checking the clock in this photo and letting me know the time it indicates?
6:13:12
